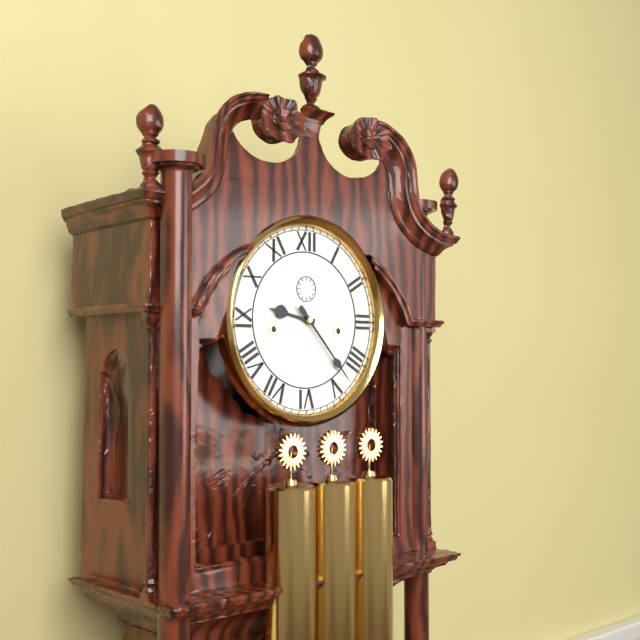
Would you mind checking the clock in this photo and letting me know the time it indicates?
9:23
